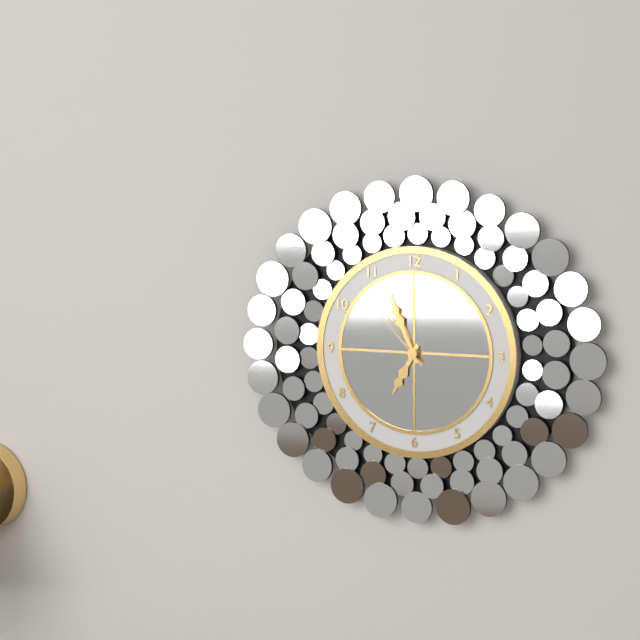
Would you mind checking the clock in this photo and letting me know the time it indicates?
6:56:53
